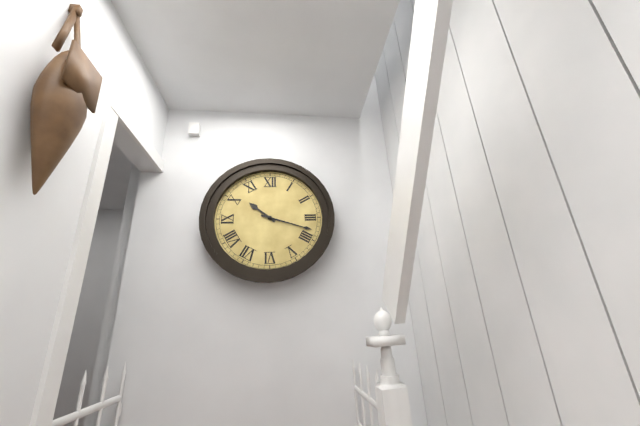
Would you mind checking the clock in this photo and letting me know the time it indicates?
10:18
